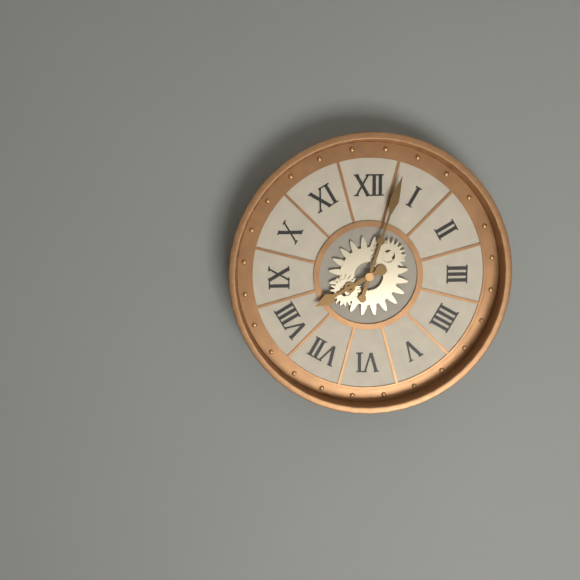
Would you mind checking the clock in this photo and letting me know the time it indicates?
8:03
